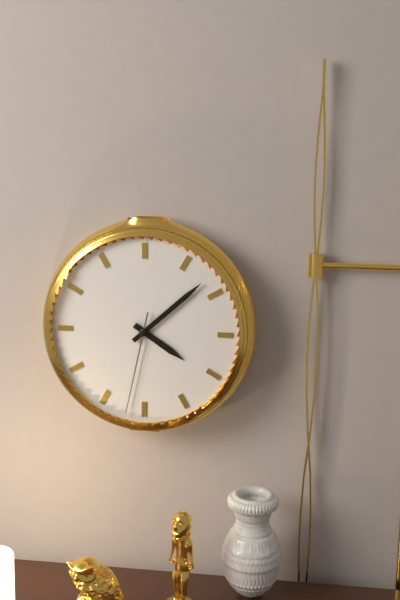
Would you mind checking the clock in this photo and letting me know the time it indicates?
4:08:32
